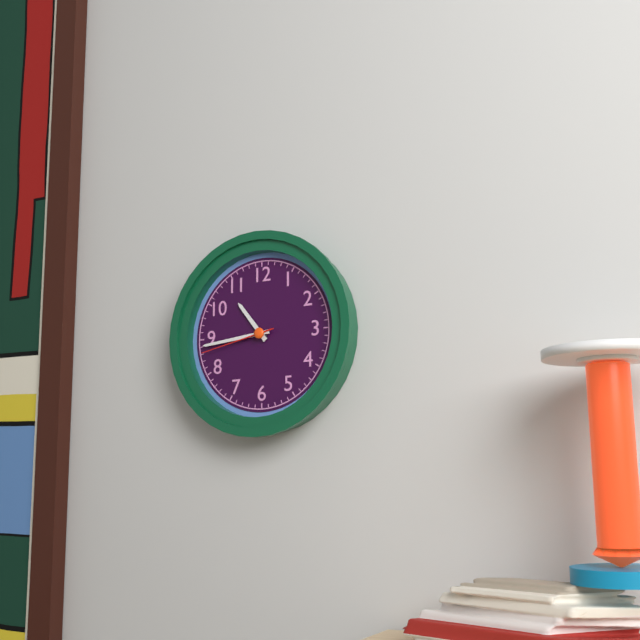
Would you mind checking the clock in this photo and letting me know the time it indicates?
10:44:43
